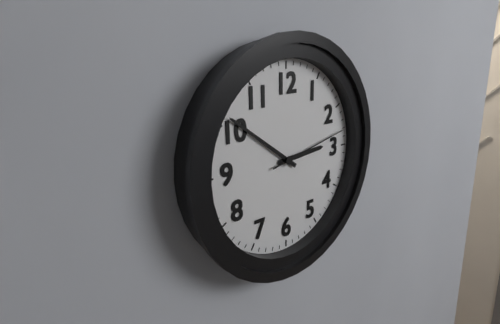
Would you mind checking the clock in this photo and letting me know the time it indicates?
2:51:13
